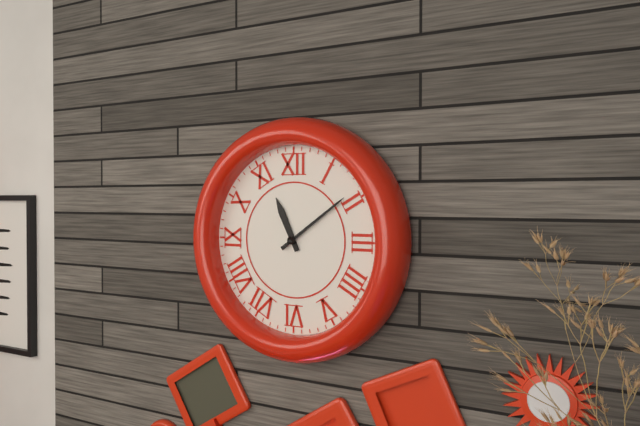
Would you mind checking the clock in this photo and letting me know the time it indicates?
11:09
